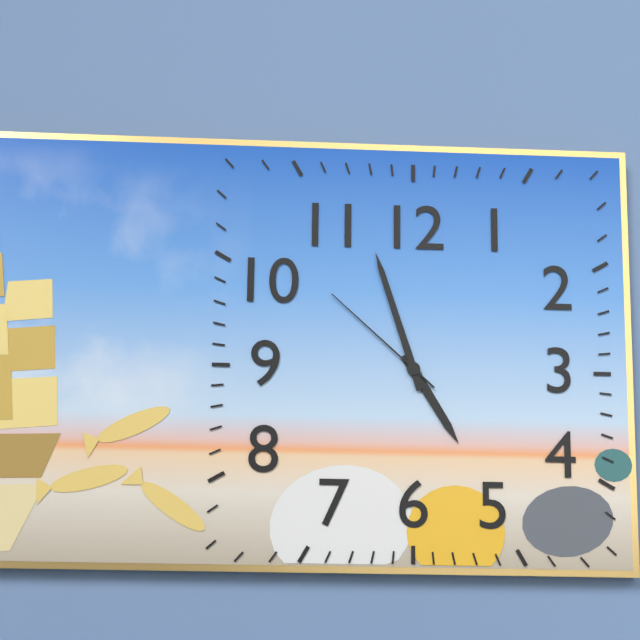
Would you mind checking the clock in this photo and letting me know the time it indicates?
4:57:52
